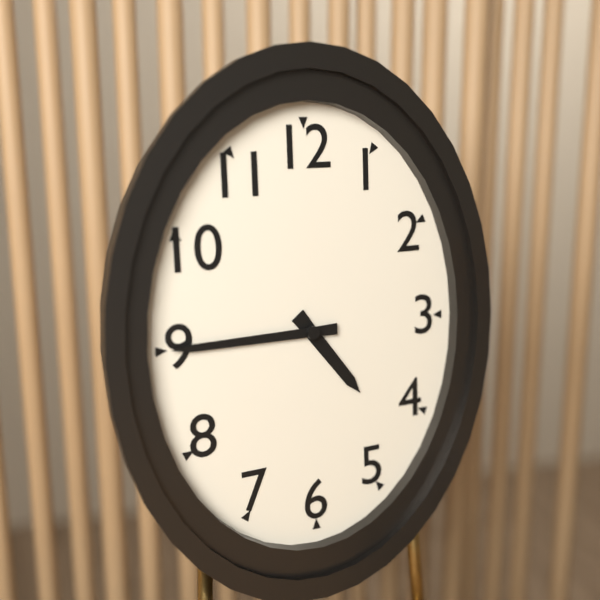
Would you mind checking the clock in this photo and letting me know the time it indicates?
4:45
